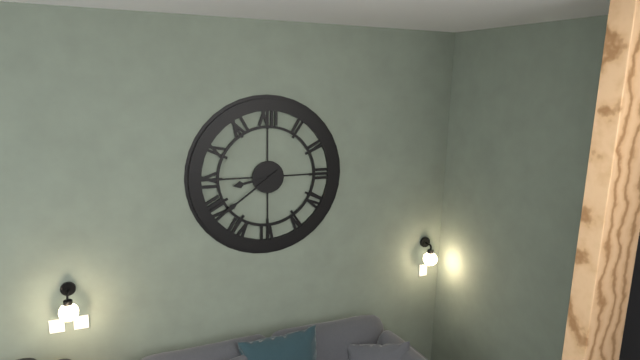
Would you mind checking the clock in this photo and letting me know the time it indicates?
8:39
